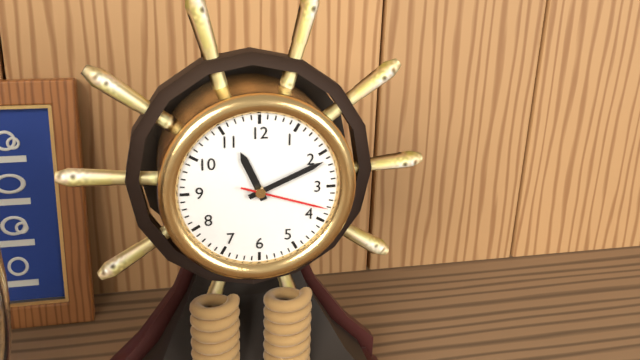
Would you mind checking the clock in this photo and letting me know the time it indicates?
11:11:18
